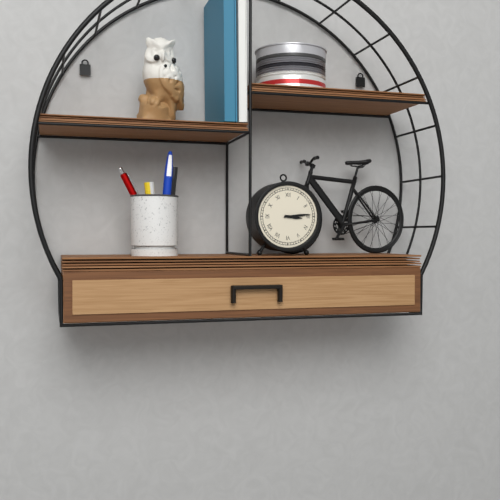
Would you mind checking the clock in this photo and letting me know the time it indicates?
3:14
